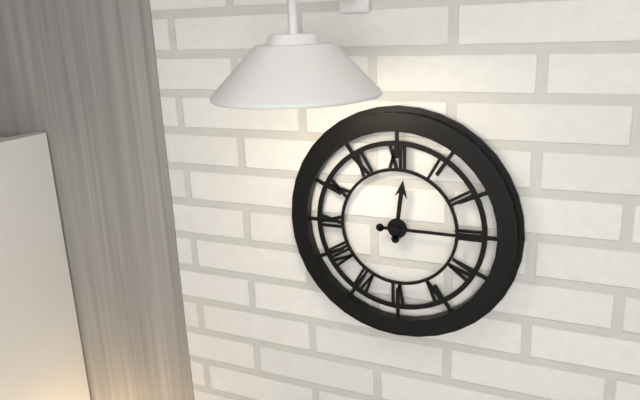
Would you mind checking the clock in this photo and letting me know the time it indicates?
12:15
